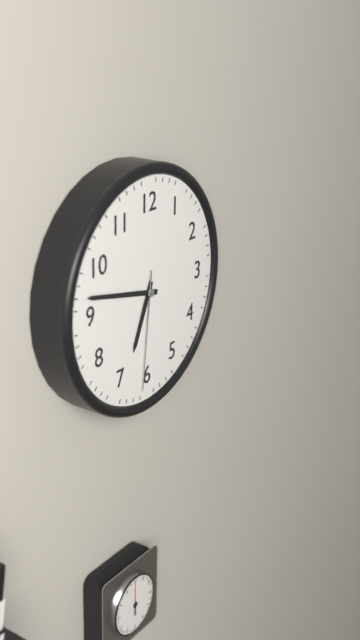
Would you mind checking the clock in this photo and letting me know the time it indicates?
6:47:31
